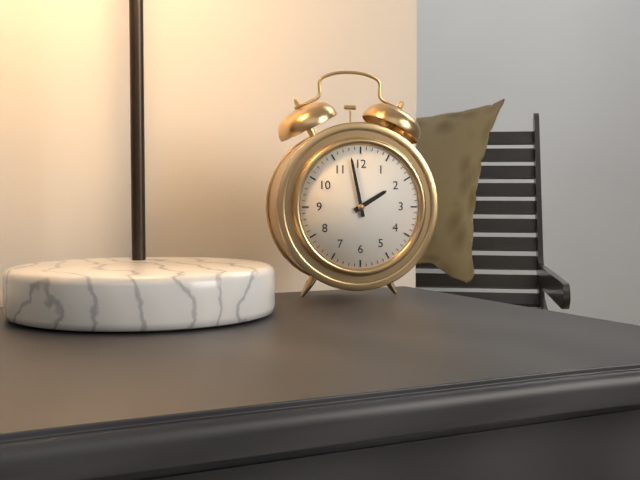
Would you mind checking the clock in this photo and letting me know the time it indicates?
1:58
